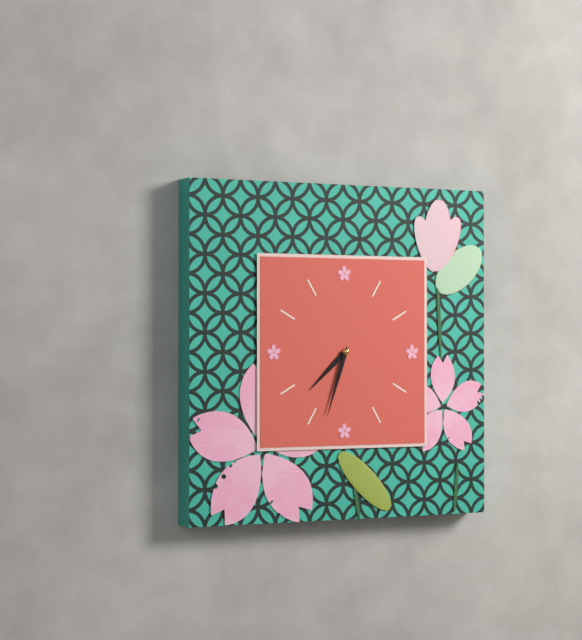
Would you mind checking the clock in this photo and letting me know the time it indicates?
7:33
